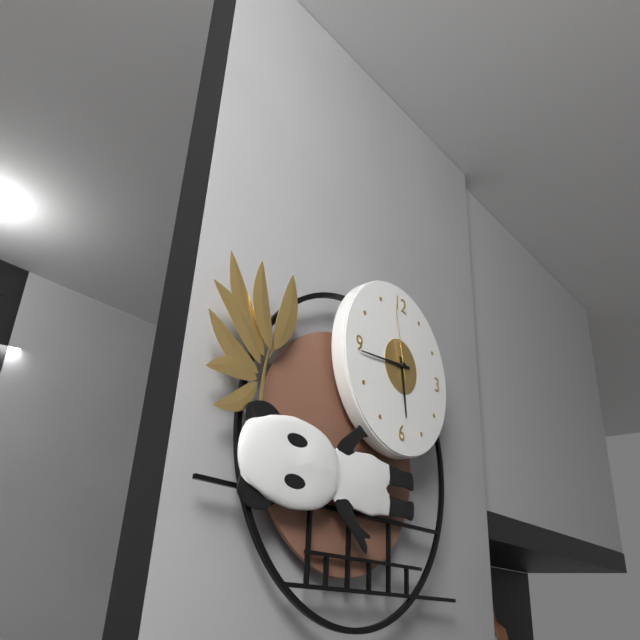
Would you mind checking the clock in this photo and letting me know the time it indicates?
5:44:58
